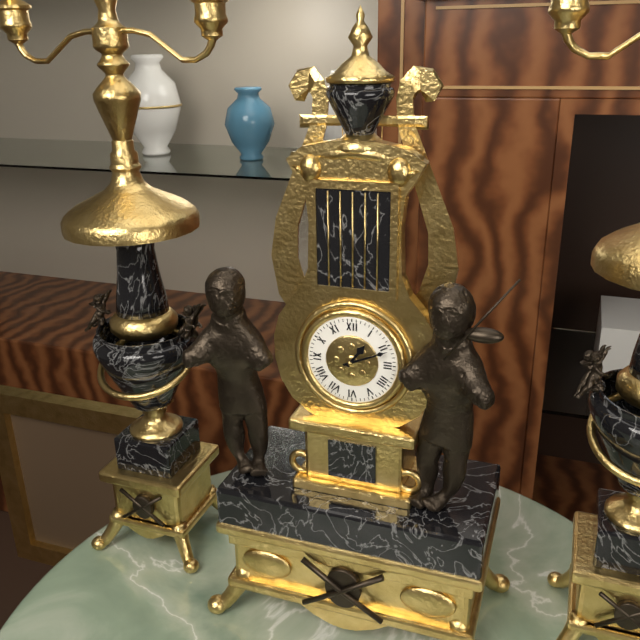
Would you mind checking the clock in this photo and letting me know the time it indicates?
1:11
